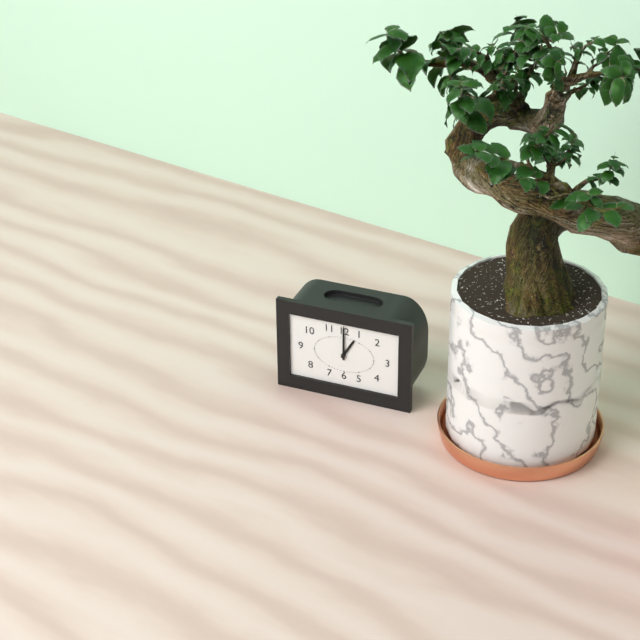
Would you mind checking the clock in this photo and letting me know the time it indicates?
1:00
